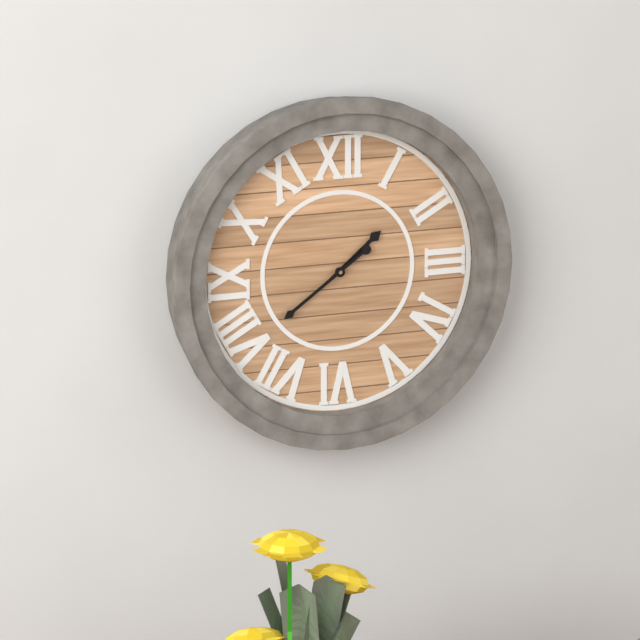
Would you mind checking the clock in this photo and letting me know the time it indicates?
1:39
